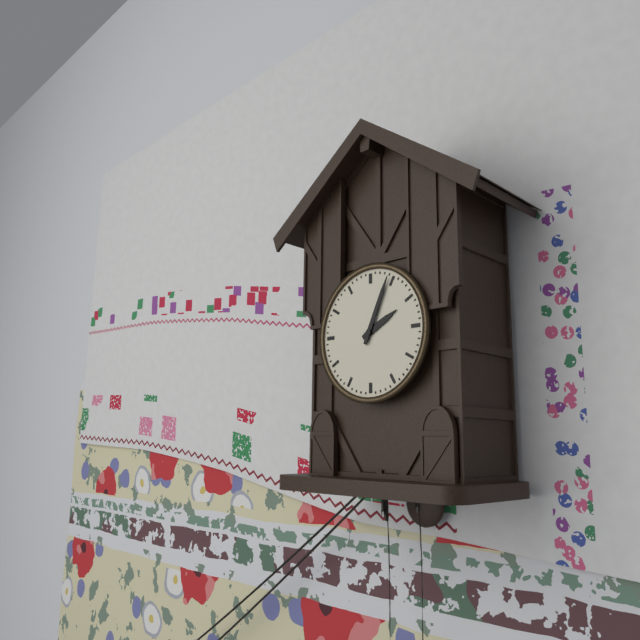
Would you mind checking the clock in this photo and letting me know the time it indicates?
2:04
